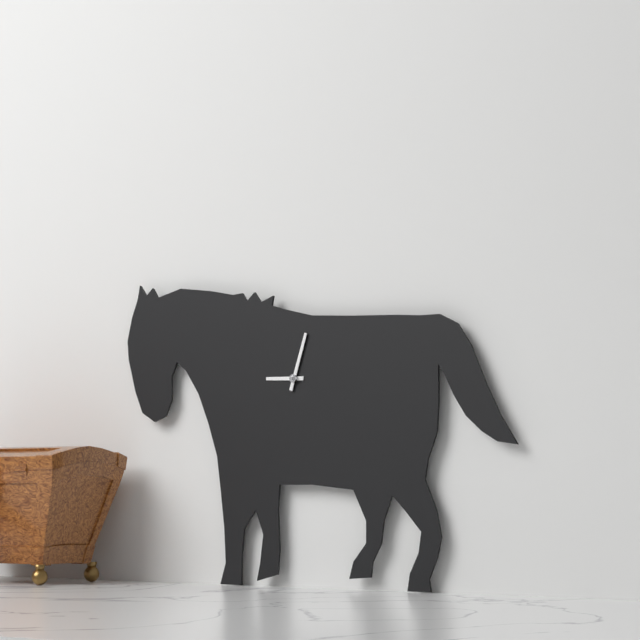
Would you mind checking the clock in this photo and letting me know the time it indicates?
9:03
